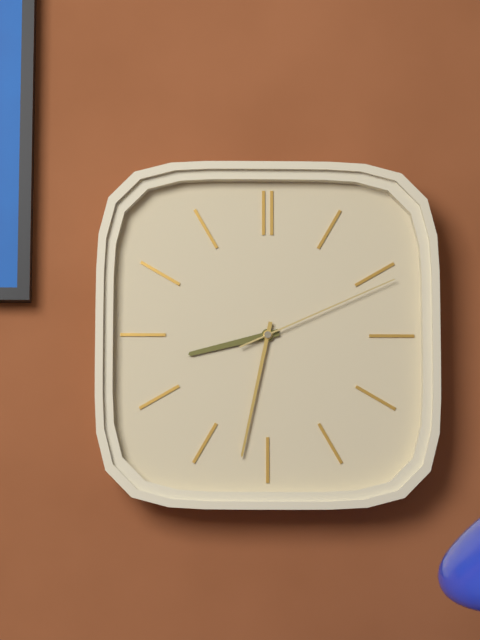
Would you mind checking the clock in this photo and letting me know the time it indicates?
8:32:11
